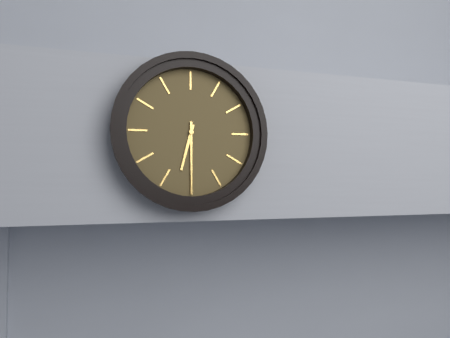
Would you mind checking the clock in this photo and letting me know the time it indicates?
6:30
